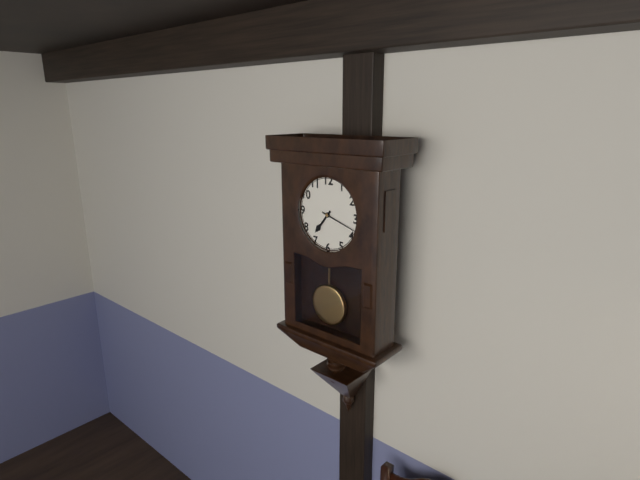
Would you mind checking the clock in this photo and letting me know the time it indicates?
7:18
